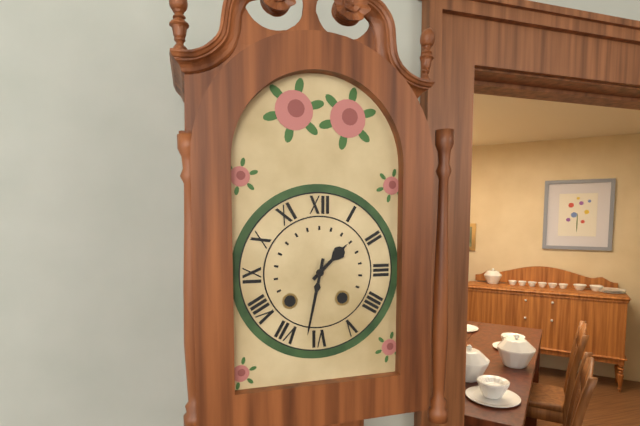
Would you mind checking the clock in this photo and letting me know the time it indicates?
1:32
